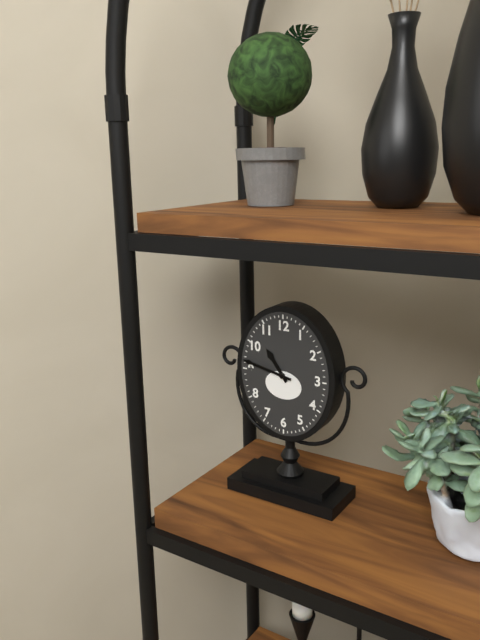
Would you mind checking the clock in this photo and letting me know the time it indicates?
10:47
